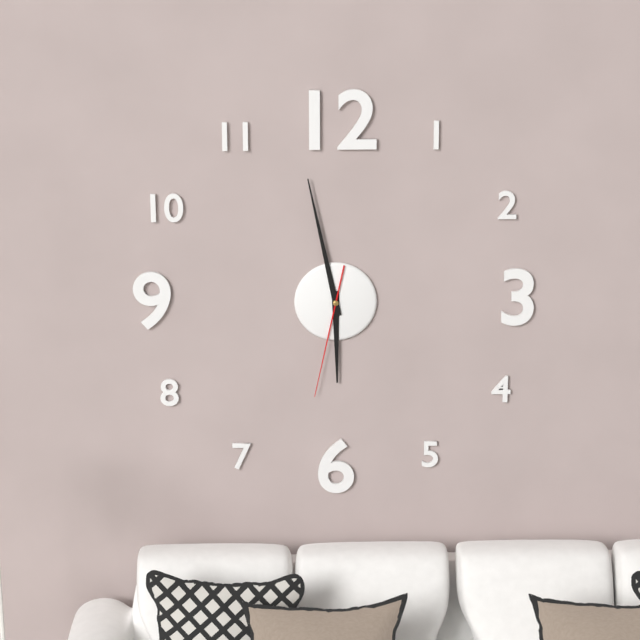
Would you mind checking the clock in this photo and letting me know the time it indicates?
5:58:32
